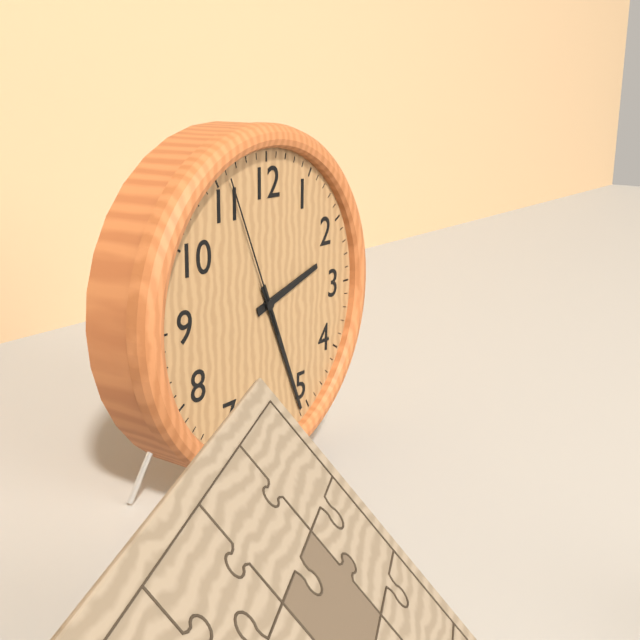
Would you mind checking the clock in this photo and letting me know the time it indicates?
2:26:56
